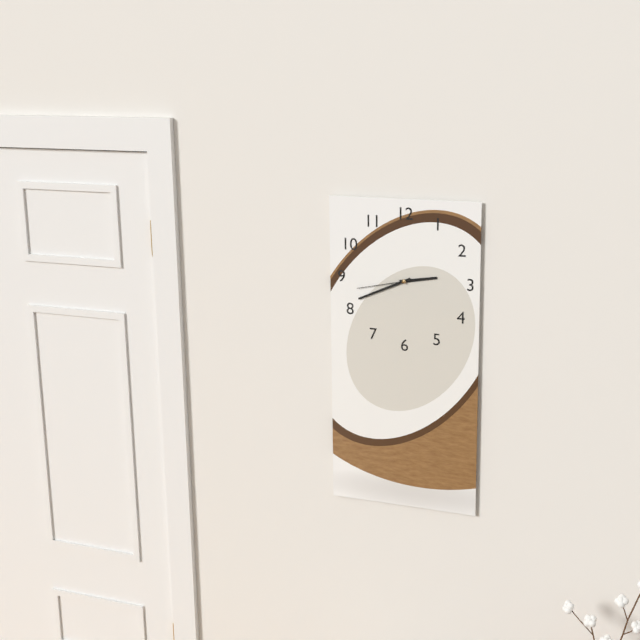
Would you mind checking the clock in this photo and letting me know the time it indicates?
2:41:43
